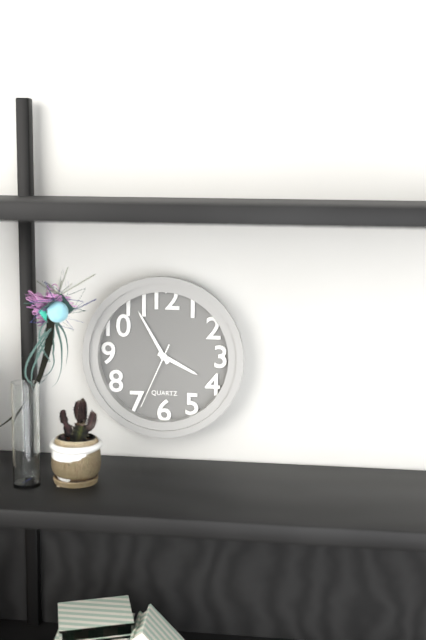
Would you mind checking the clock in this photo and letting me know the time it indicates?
3:55:34
